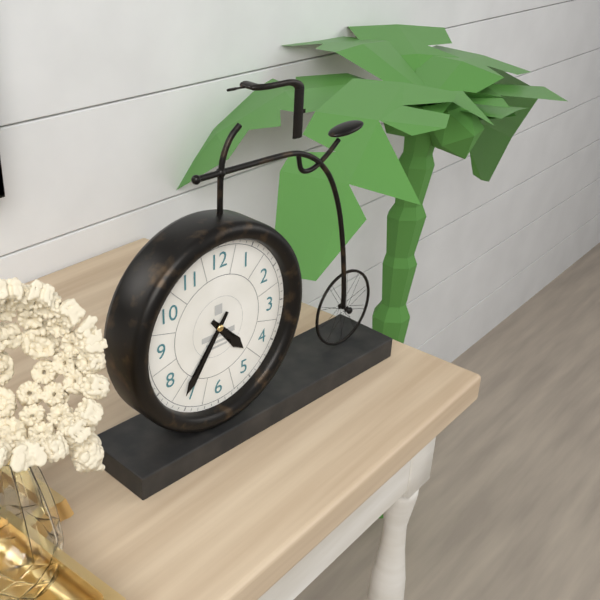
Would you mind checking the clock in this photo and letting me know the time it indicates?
4:36
